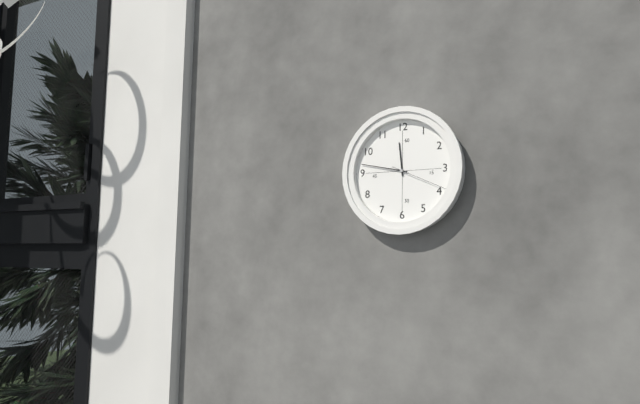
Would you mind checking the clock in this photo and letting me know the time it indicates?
11:47:19
